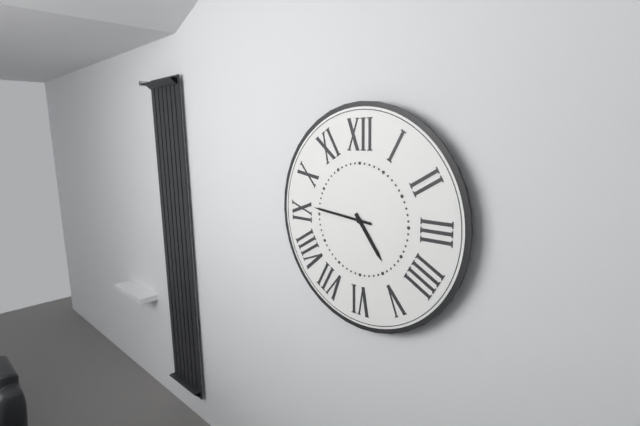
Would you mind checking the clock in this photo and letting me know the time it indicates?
4:46
